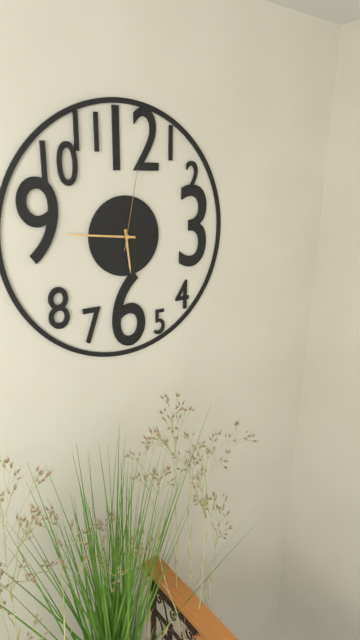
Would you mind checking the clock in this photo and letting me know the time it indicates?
5:46:02
